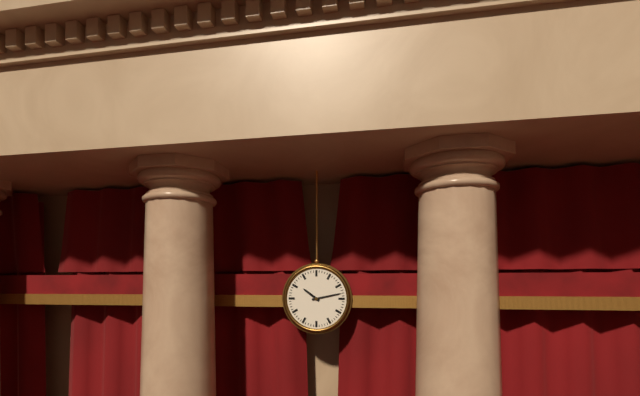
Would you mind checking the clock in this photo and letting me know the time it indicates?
10:13
